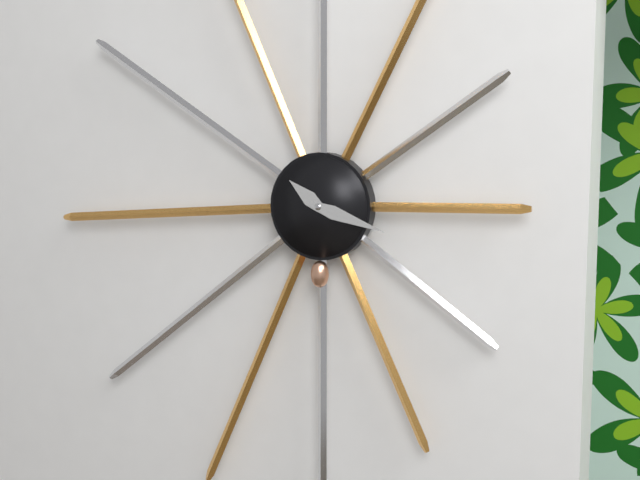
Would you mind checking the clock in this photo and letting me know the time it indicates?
10:18
